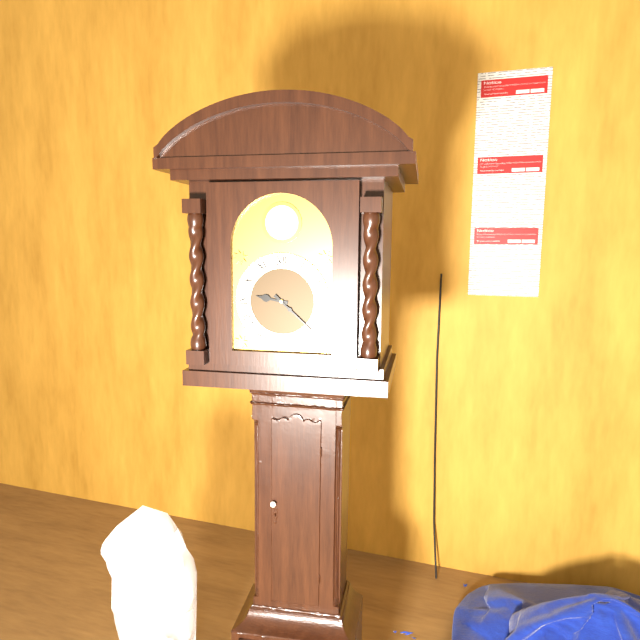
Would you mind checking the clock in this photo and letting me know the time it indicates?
9:22
